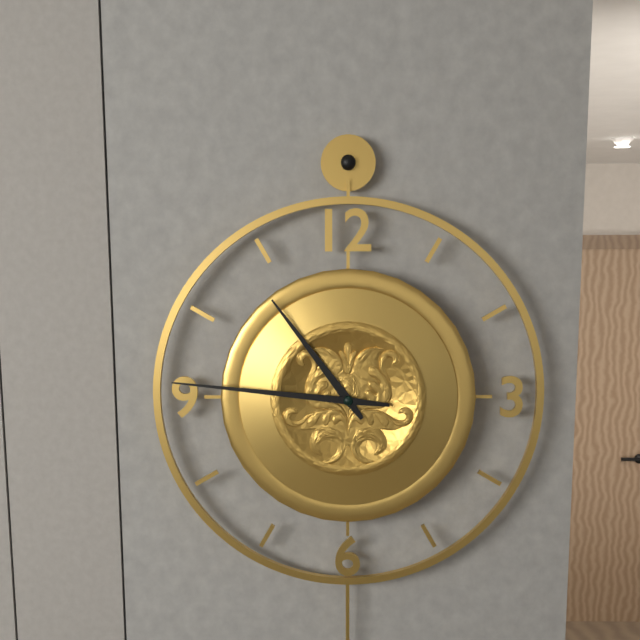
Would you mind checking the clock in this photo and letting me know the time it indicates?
10:46
